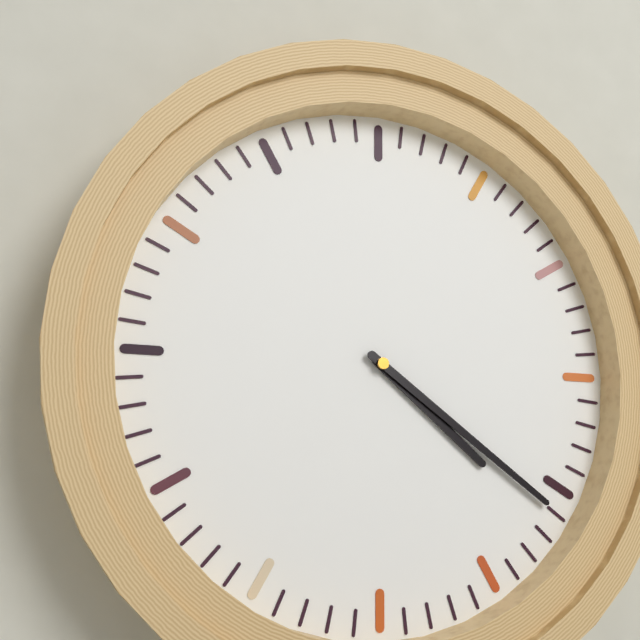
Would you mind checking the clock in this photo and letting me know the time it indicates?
4:21
